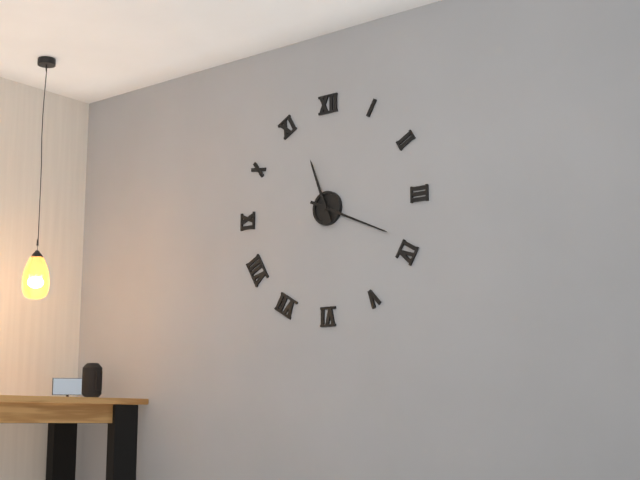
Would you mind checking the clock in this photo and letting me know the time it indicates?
11:19
